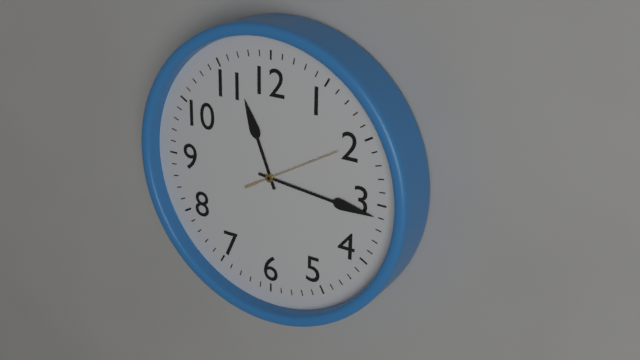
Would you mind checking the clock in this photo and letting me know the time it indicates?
11:16:10
